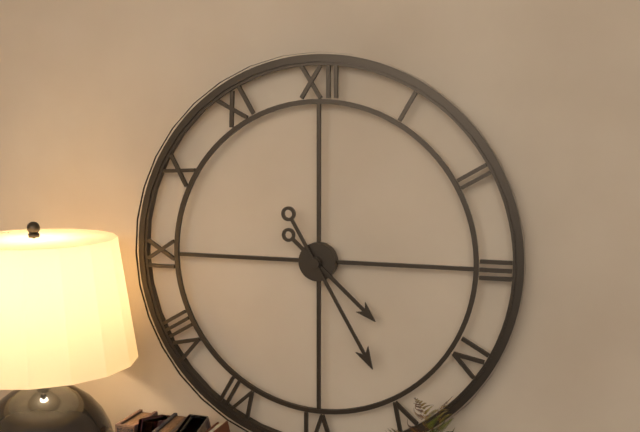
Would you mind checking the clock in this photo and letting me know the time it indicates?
4:25
